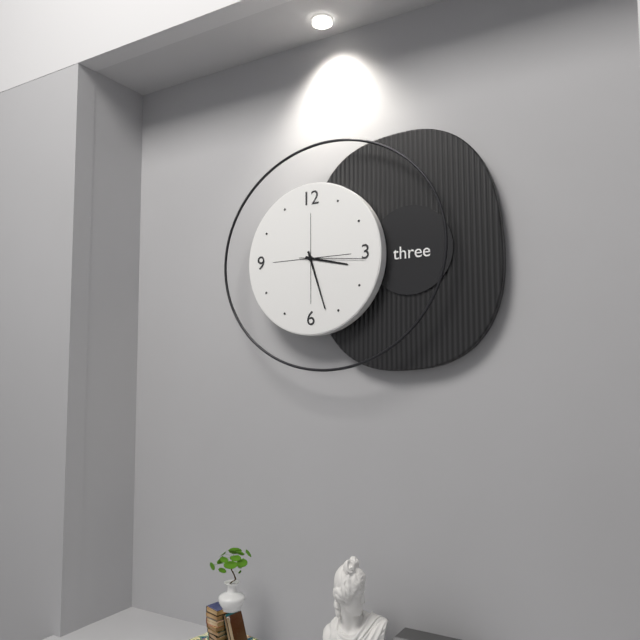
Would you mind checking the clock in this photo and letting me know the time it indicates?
3:27:16
